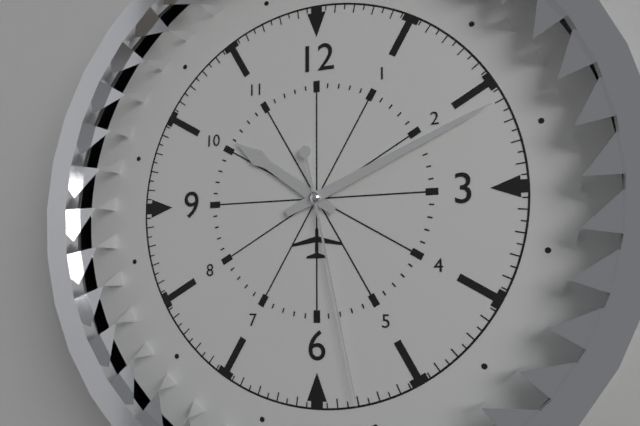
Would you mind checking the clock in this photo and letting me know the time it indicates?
10:11:28
